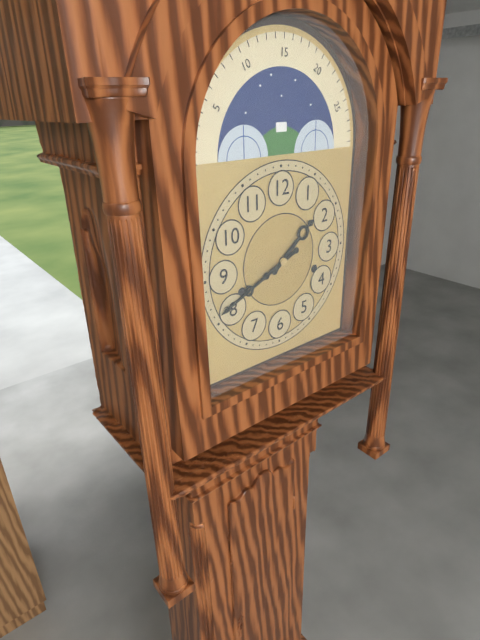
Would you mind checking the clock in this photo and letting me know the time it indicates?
1:41
